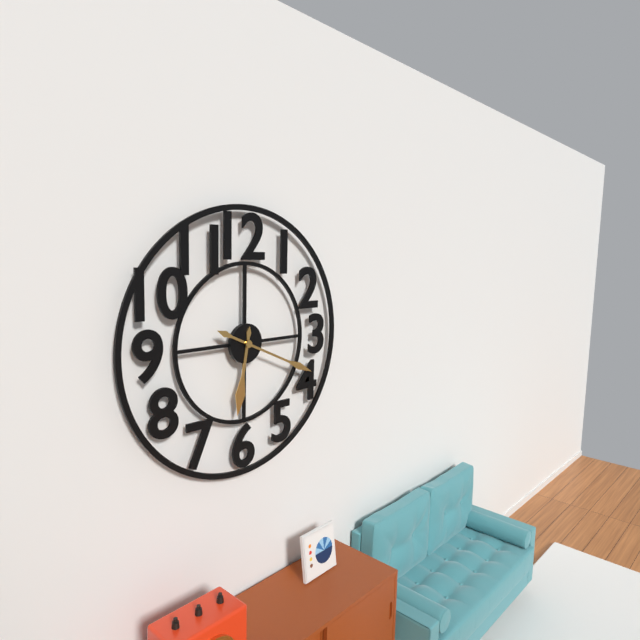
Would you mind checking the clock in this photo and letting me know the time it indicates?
6:19
